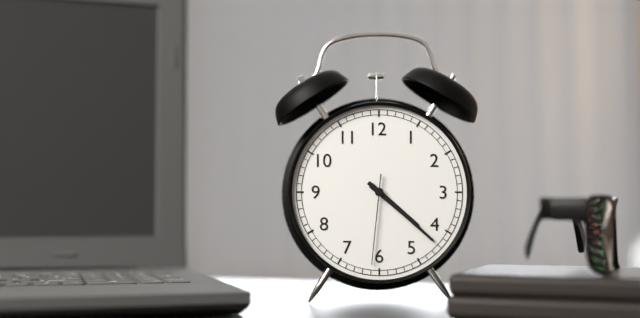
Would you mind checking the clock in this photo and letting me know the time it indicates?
4:22:31
